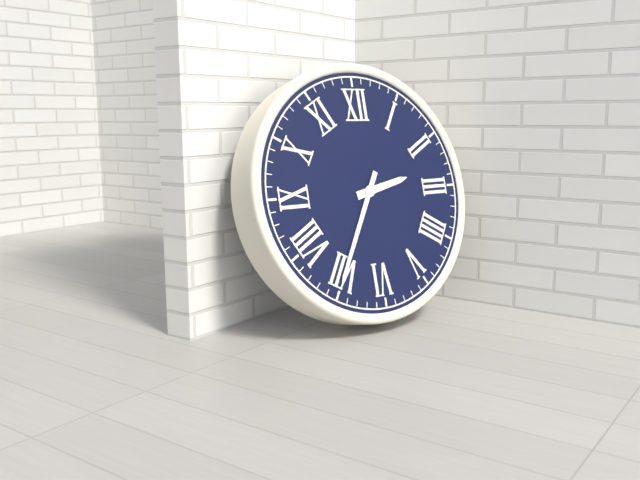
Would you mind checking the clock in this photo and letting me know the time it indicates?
2:35
